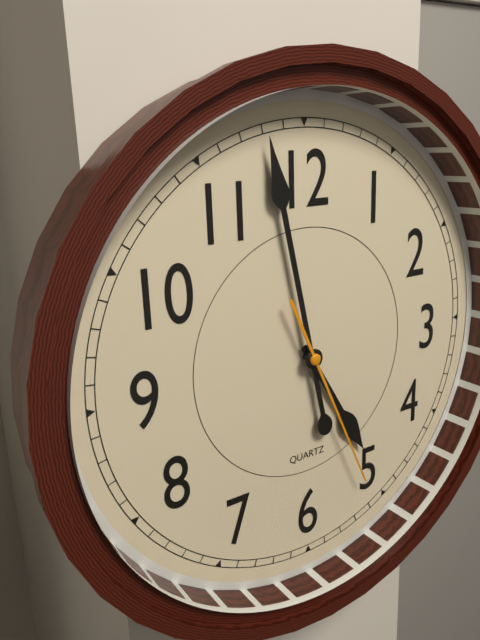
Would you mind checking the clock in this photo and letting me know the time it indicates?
4:58:26
